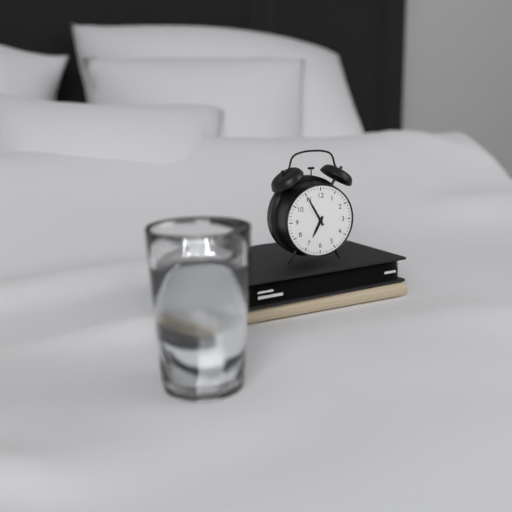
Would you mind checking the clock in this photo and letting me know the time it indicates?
6:55
